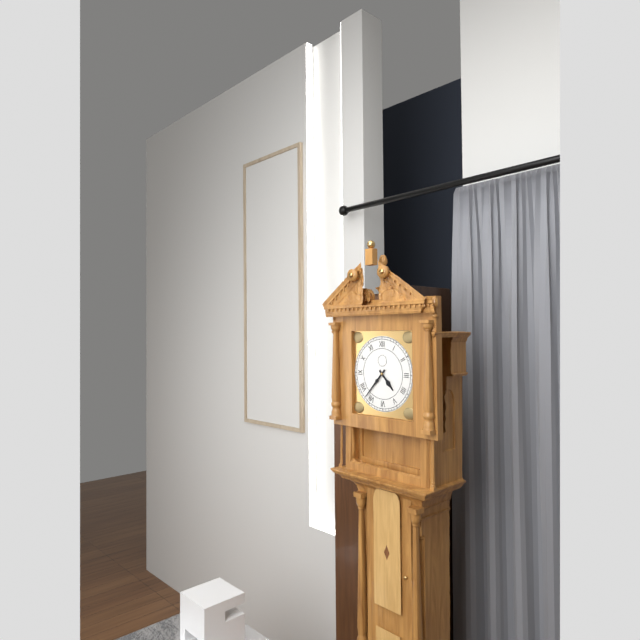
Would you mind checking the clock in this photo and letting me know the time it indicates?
4:37
